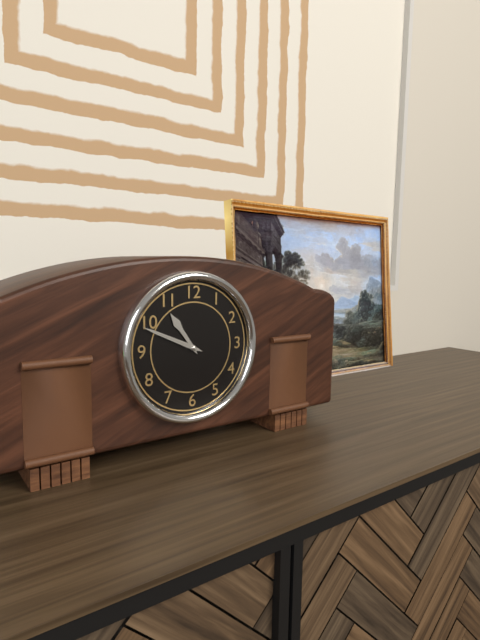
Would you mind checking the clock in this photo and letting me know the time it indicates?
10:49
